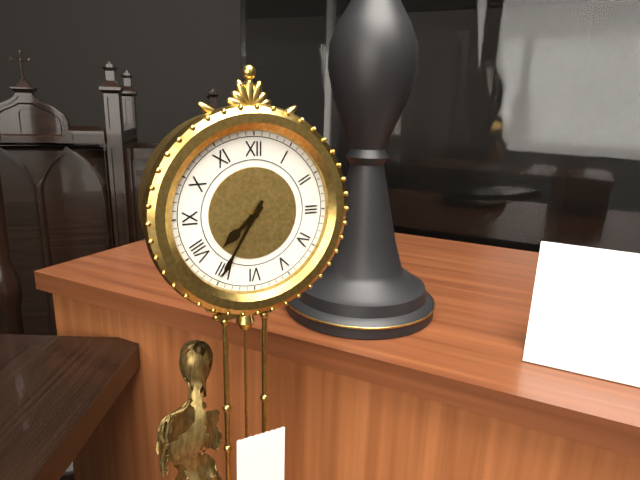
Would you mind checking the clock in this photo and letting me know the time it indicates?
7:35
